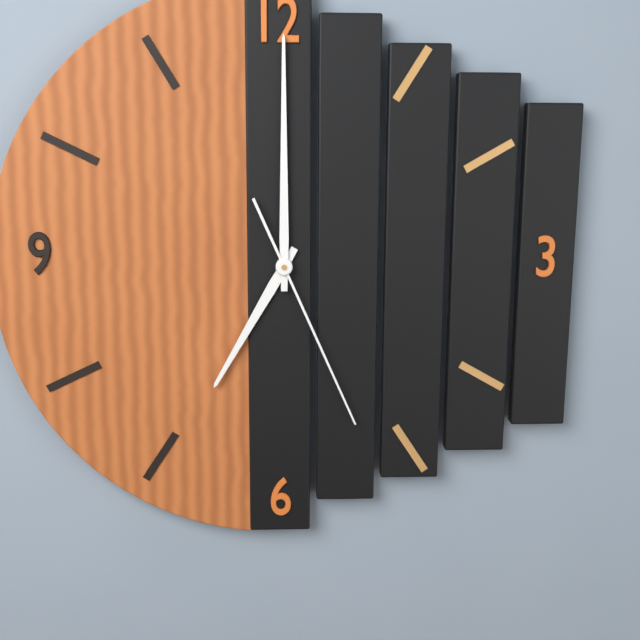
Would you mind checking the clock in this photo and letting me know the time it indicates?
7:00:26
